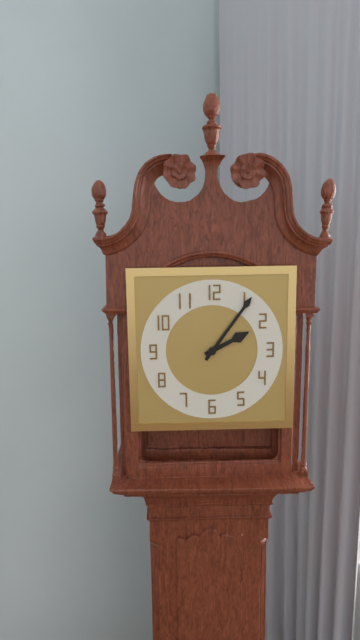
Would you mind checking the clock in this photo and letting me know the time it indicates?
2:06
